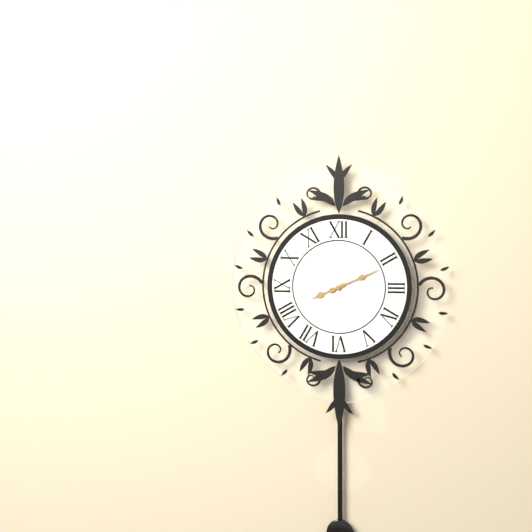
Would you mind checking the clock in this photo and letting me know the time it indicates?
8:11
